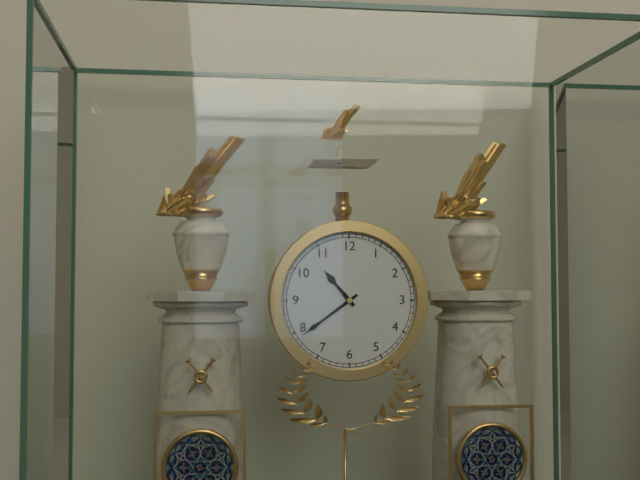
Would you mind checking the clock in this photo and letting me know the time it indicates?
10:39
